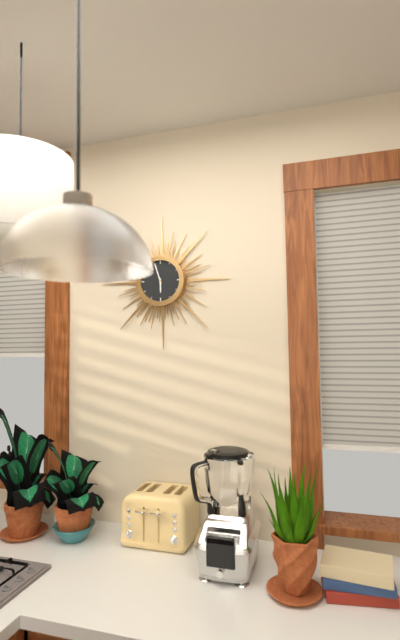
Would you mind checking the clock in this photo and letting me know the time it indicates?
5:57
